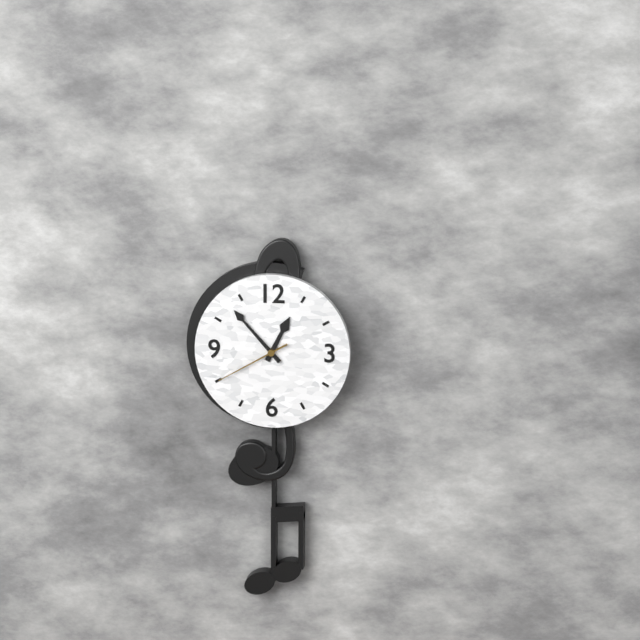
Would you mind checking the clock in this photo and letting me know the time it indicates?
12:53:40
